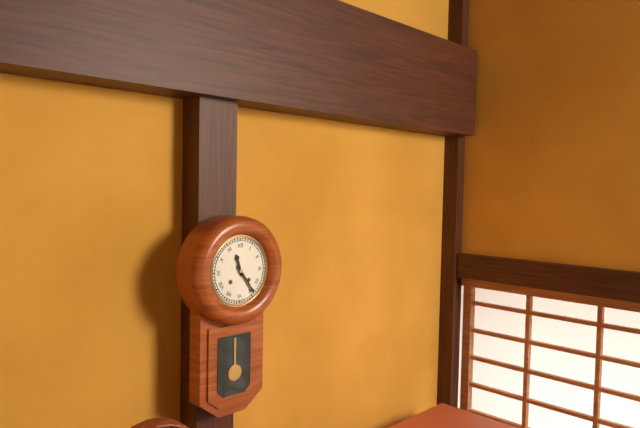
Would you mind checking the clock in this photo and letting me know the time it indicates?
11:24
